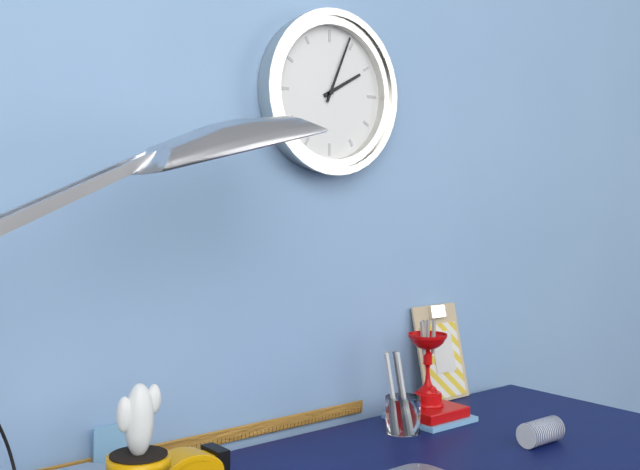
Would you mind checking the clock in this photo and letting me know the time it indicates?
2:04
